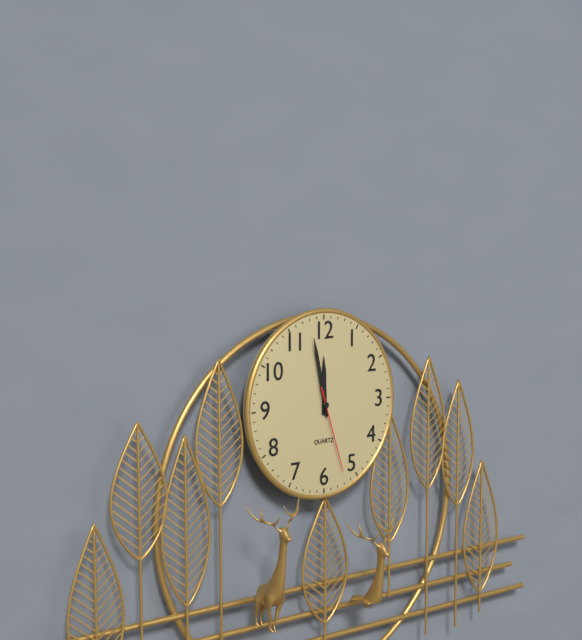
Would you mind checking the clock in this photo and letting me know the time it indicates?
11:58:27
